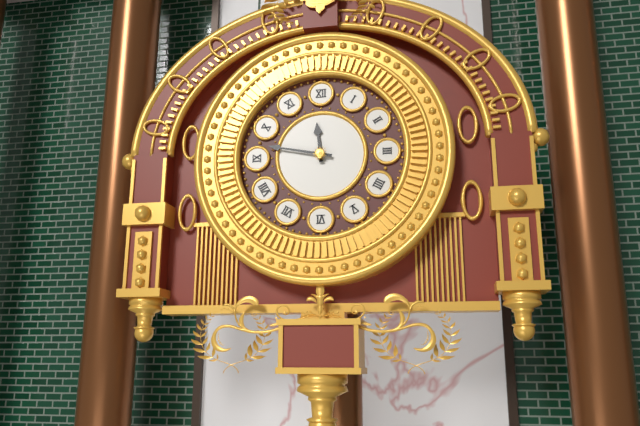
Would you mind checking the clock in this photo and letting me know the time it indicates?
11:47
